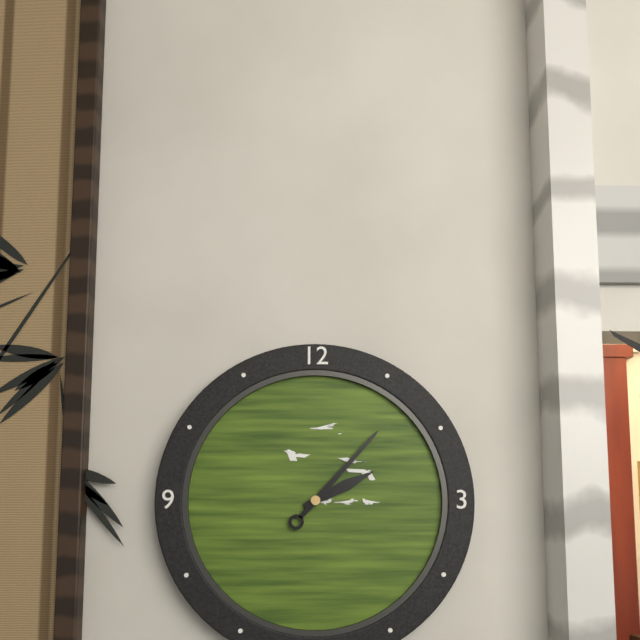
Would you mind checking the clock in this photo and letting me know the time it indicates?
2:07
